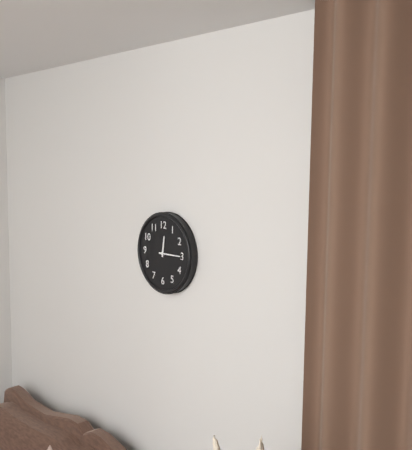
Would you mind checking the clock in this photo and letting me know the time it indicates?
12:15
